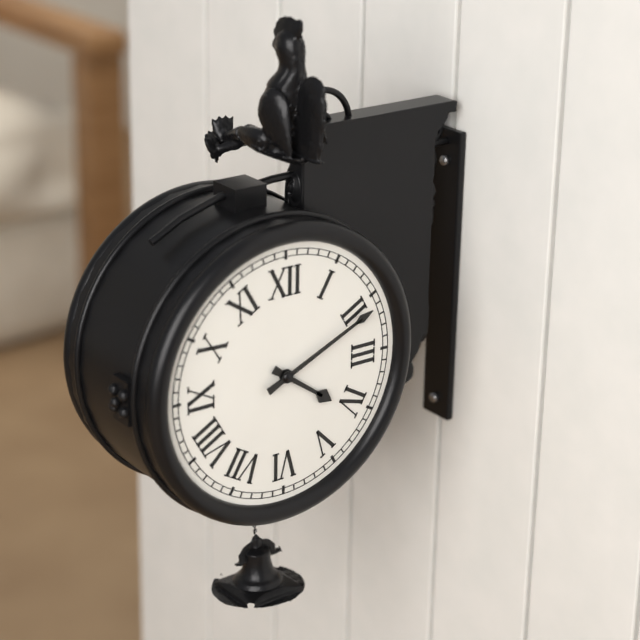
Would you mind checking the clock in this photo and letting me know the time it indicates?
4:11
